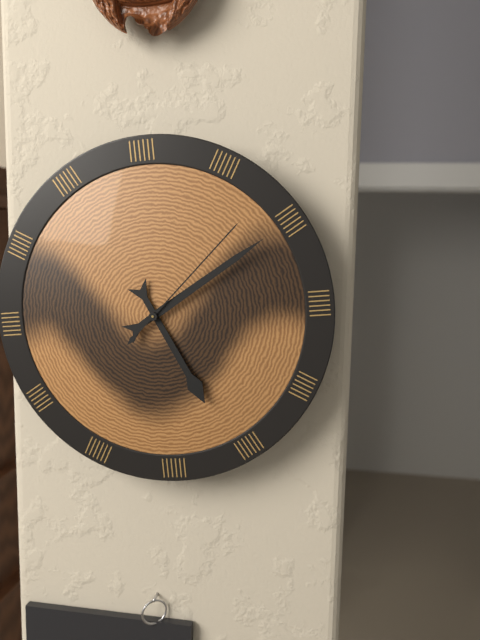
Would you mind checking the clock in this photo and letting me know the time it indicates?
5:10:08
